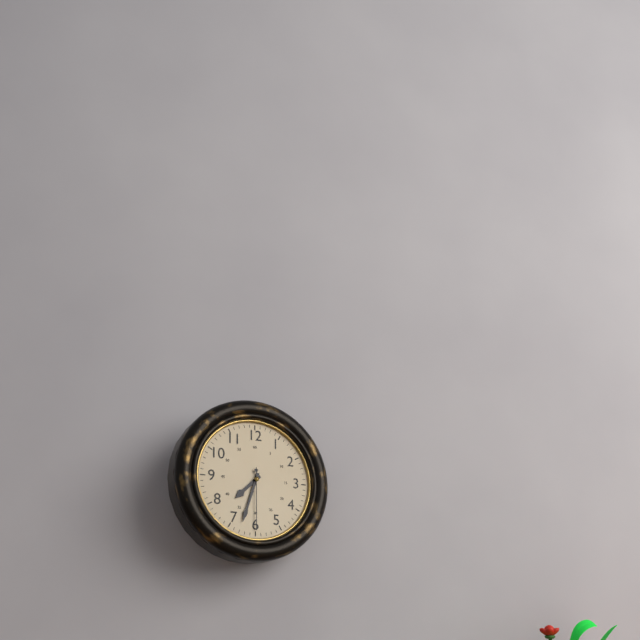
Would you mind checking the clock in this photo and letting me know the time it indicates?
7:33:30
